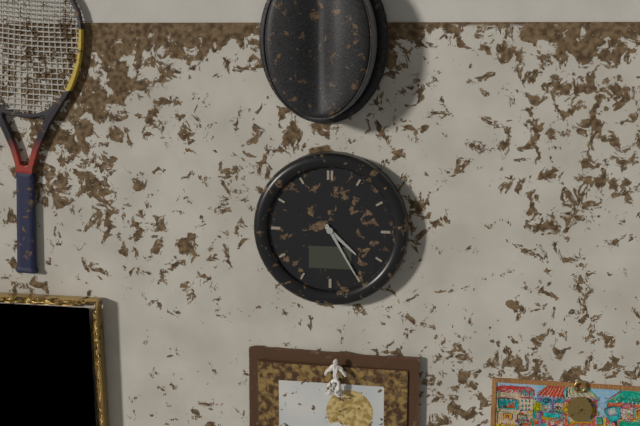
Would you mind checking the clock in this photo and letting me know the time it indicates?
4:25
